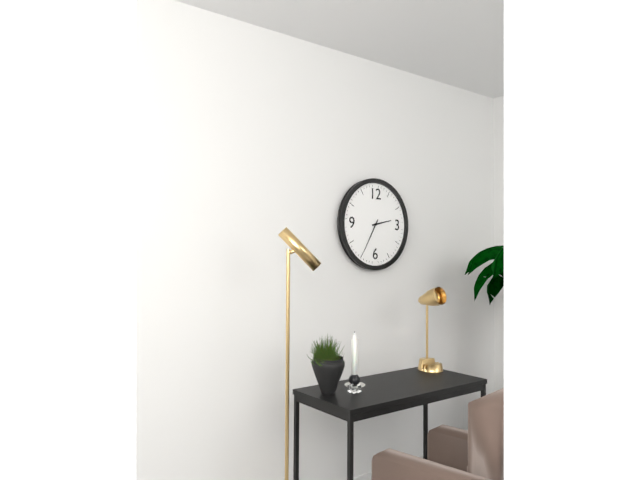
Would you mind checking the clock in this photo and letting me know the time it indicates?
2:35
